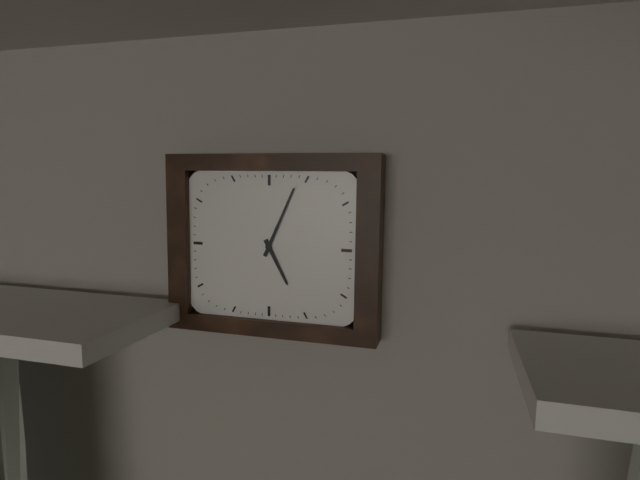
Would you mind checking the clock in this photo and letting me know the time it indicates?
5:04
